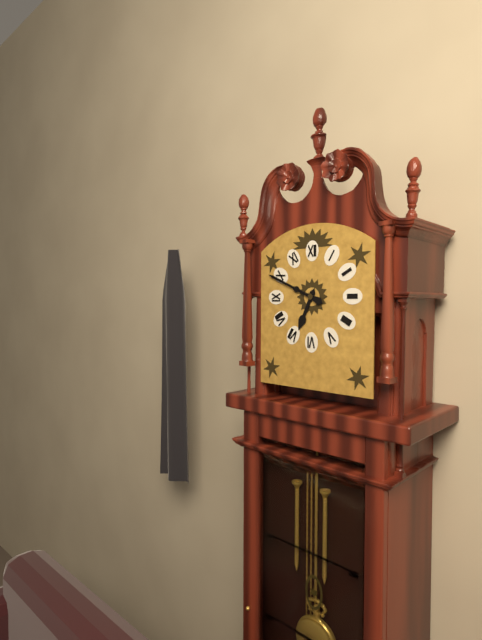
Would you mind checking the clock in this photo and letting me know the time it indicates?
6:49
